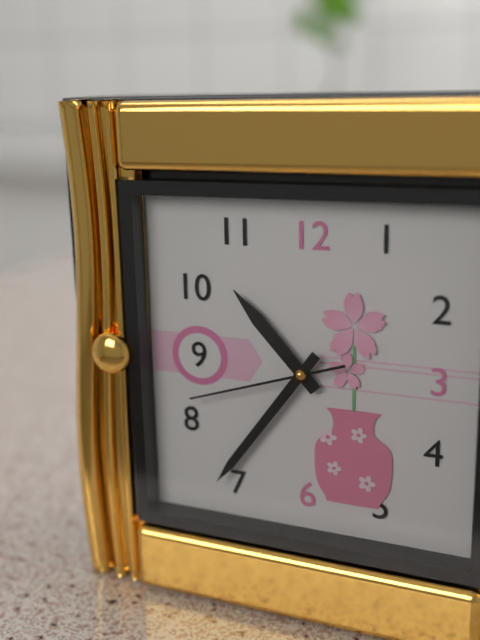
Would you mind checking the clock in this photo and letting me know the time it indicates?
10:36:42
